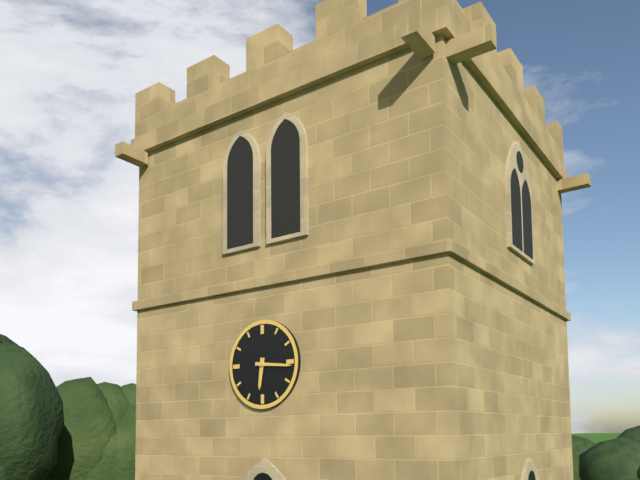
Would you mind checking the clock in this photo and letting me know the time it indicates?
6:16
